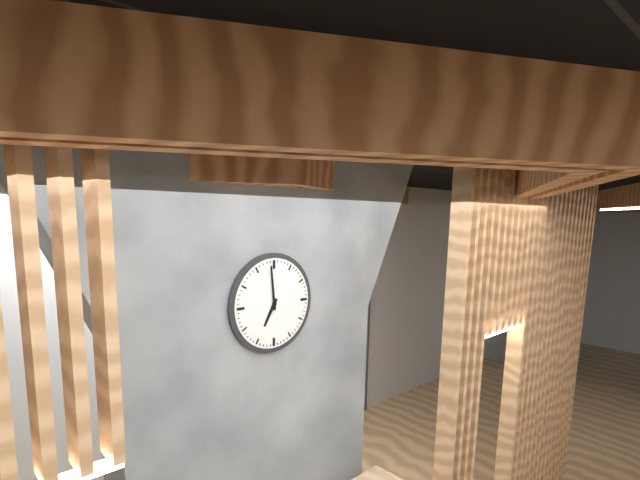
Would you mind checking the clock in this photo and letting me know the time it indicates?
6:59
